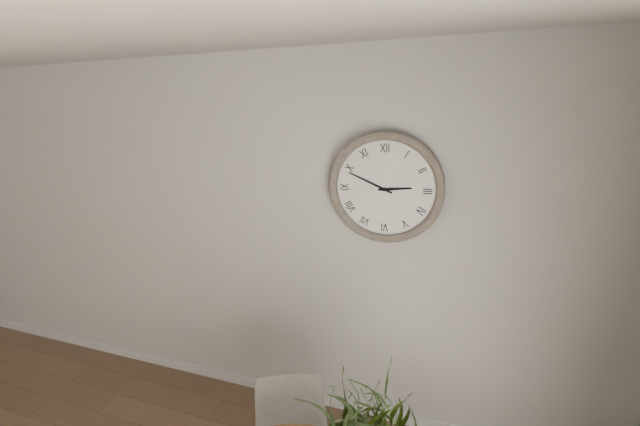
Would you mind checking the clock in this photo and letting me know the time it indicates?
2:49
